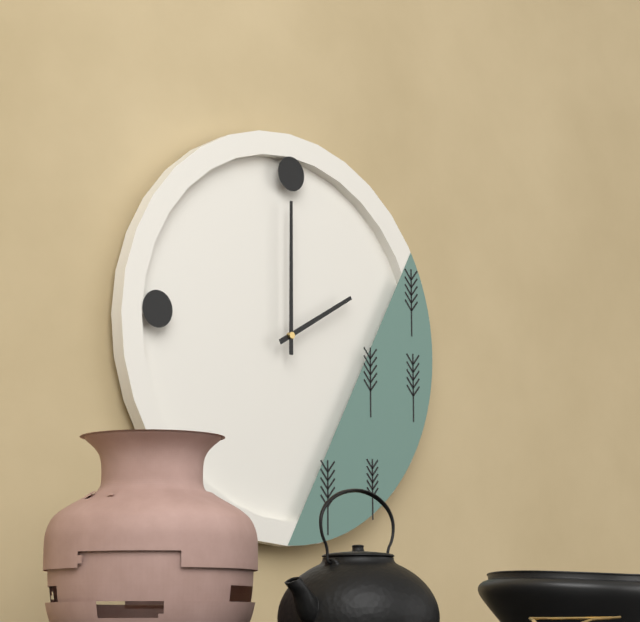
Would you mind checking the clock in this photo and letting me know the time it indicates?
2:00
